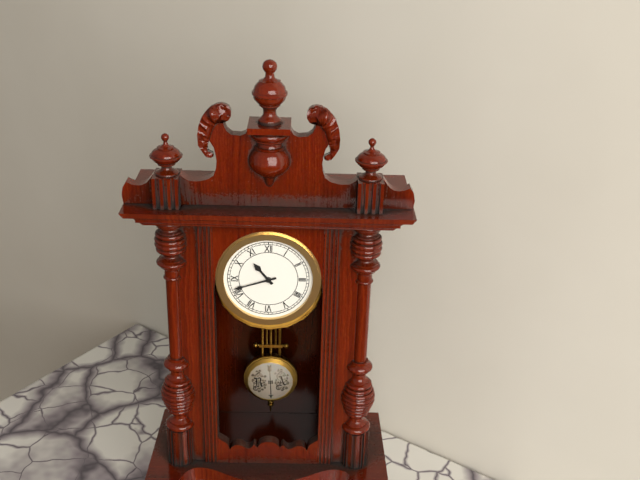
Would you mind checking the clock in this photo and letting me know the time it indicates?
10:42
